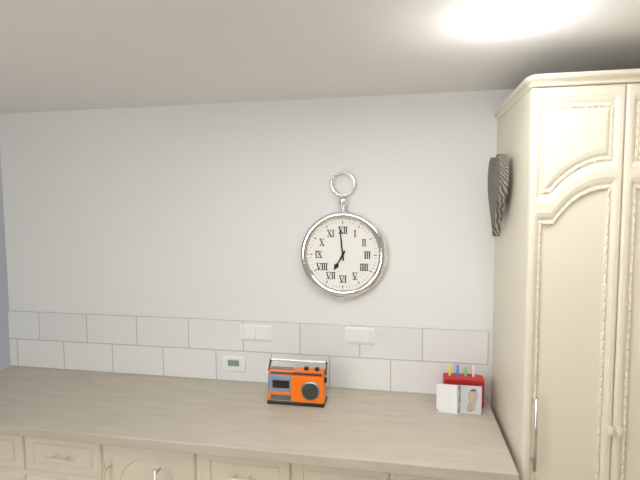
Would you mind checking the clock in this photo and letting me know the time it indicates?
6:59
